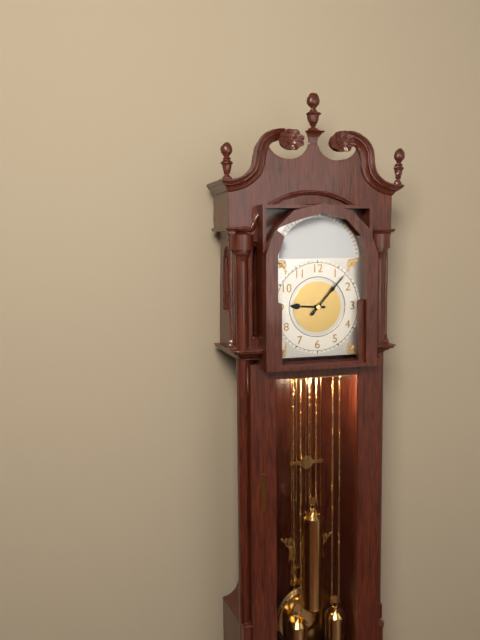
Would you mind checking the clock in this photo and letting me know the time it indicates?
9:07
